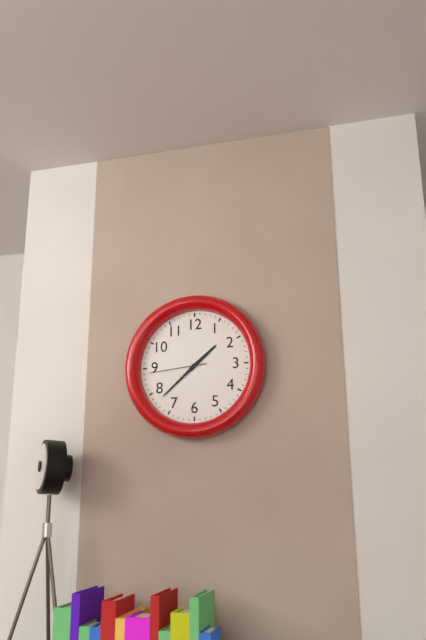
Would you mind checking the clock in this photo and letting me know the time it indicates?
1:38:44
